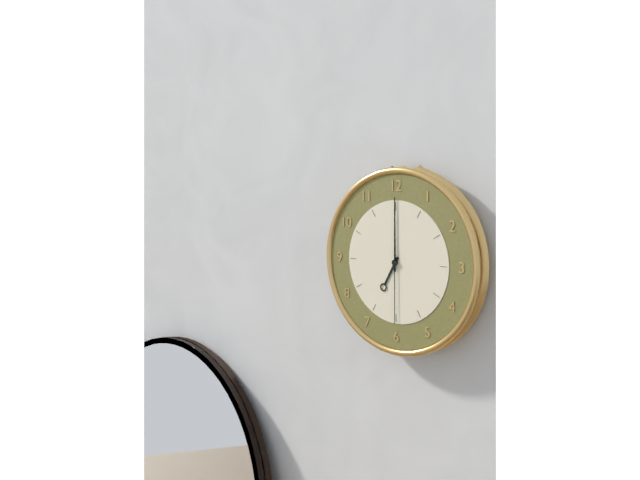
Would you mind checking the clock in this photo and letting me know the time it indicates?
7:00:30
